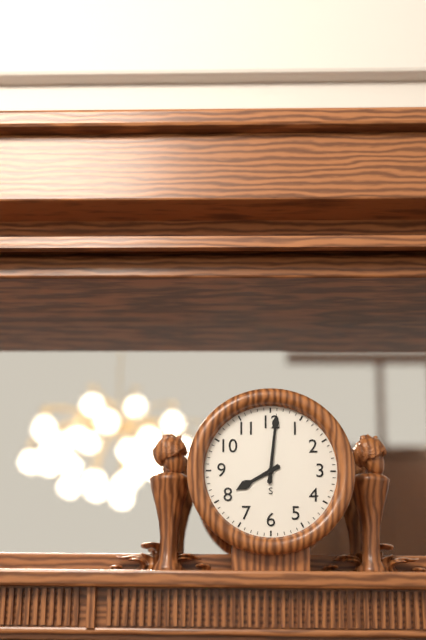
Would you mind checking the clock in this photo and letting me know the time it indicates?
8:01
